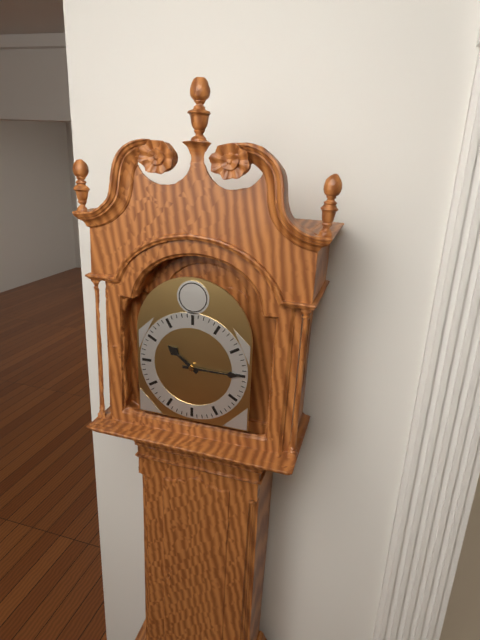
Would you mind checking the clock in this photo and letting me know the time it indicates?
10:15
